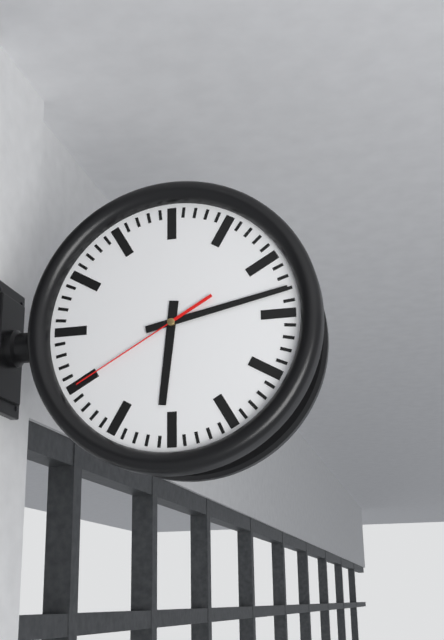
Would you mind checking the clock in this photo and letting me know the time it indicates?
6:13:40
